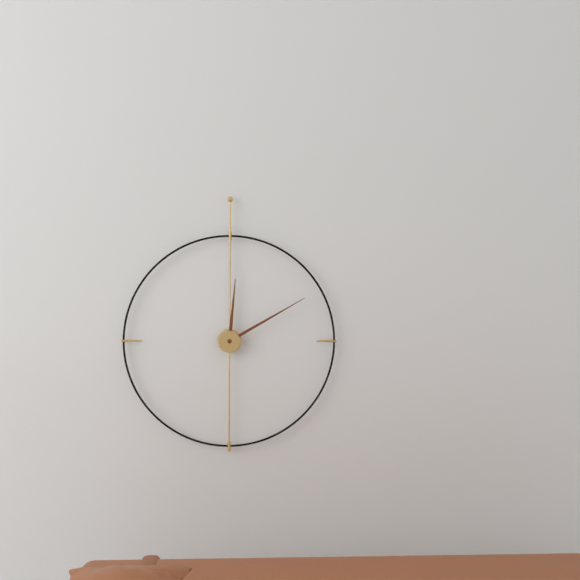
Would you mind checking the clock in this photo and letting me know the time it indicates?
12:10
